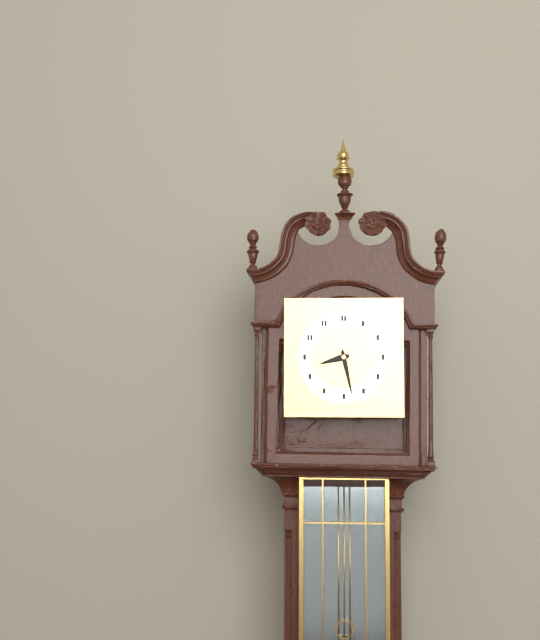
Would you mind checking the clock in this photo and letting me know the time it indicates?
8:28
